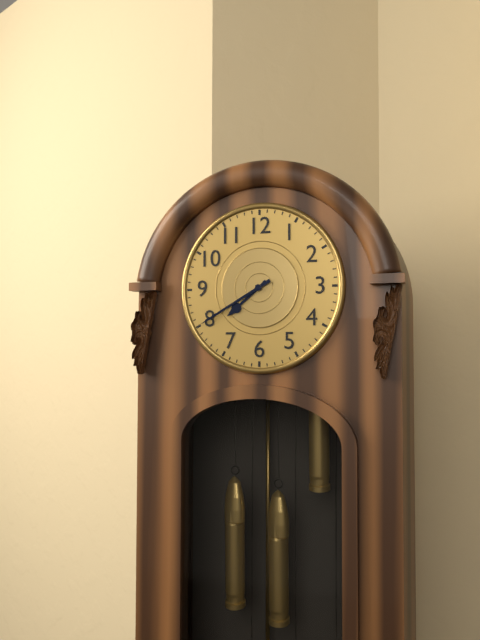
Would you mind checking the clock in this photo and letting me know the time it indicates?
7:40
